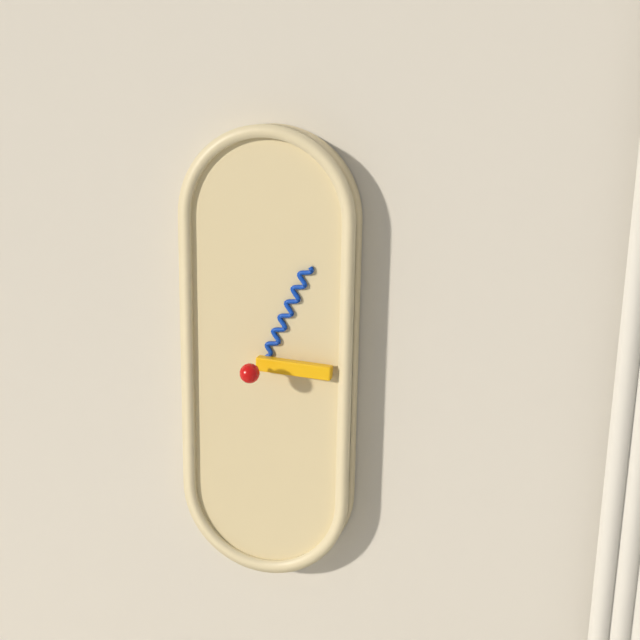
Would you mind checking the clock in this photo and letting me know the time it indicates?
3:04
